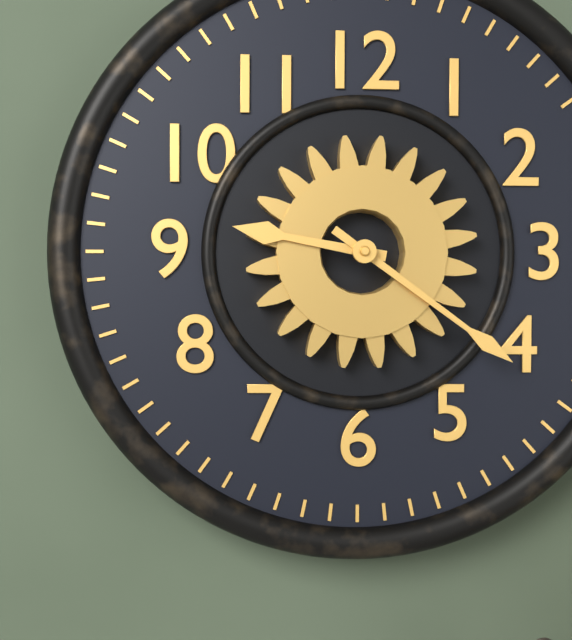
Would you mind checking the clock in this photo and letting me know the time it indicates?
9:21
